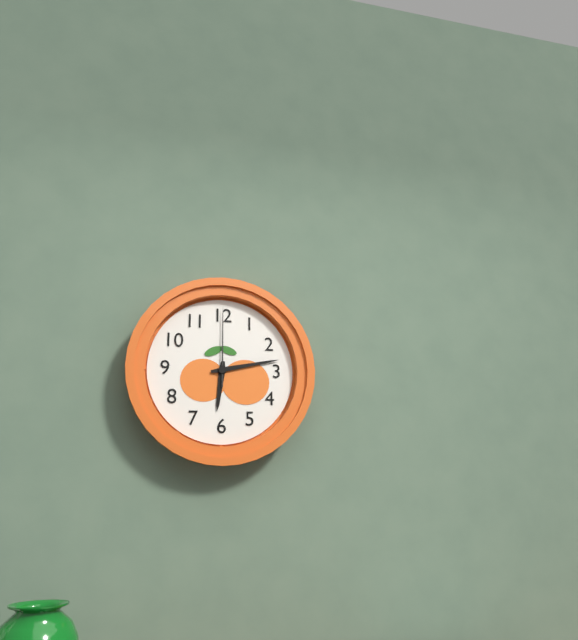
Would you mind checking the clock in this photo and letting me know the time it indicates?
6:13:00
